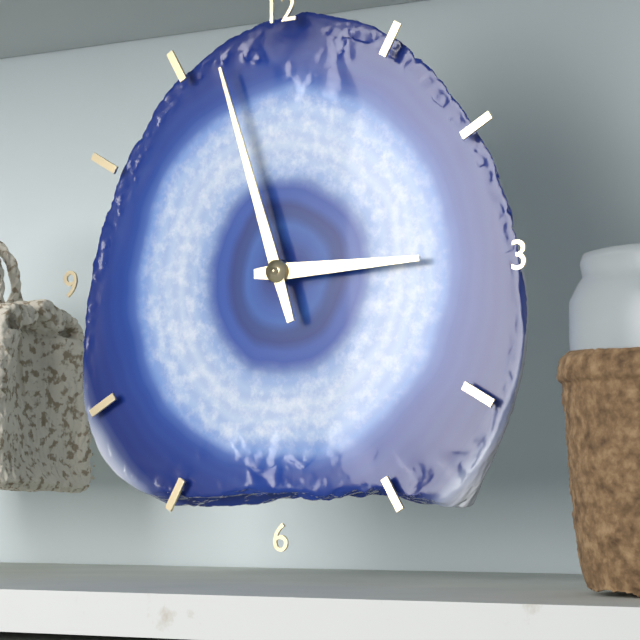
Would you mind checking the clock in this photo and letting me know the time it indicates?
2:57
